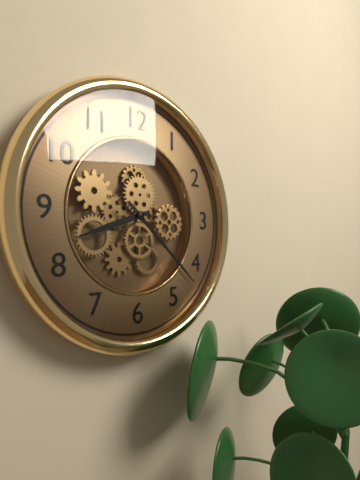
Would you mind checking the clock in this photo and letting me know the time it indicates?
8:22
